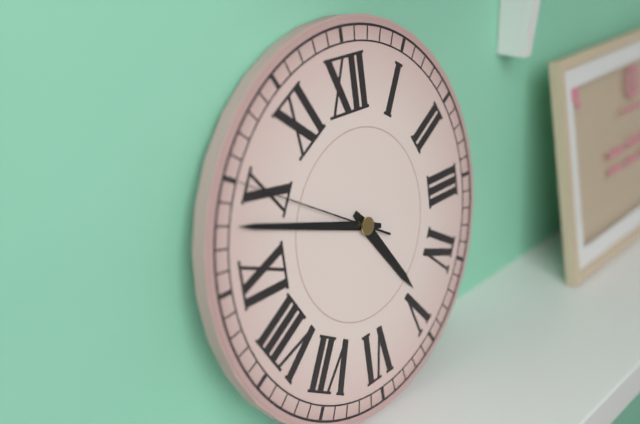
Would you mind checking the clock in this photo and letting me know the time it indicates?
4:48:50
